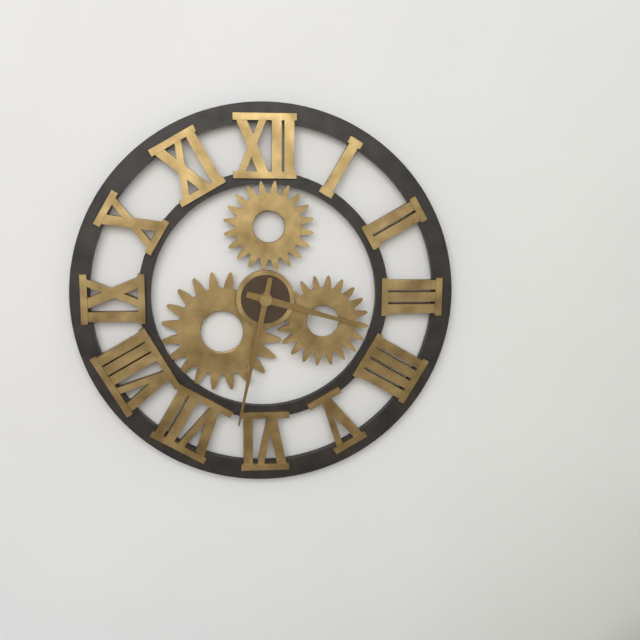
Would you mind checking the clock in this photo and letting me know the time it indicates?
3:32
